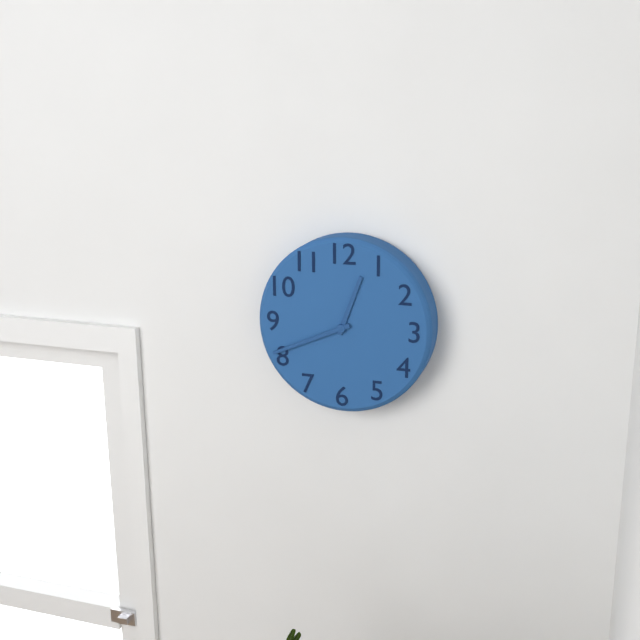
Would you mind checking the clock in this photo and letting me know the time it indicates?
12:41
